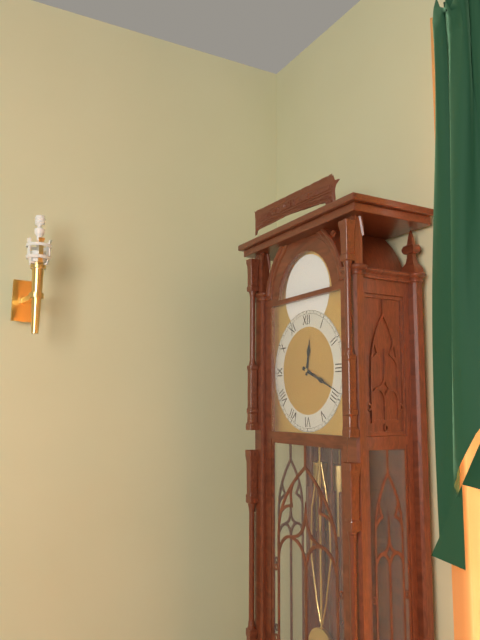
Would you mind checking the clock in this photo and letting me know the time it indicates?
12:19
